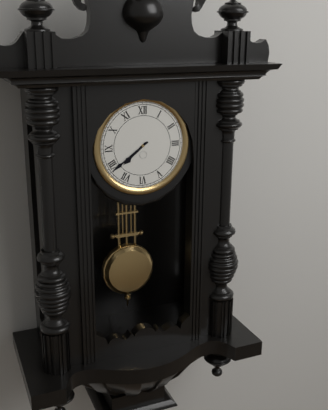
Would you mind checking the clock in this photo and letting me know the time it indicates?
7:39
